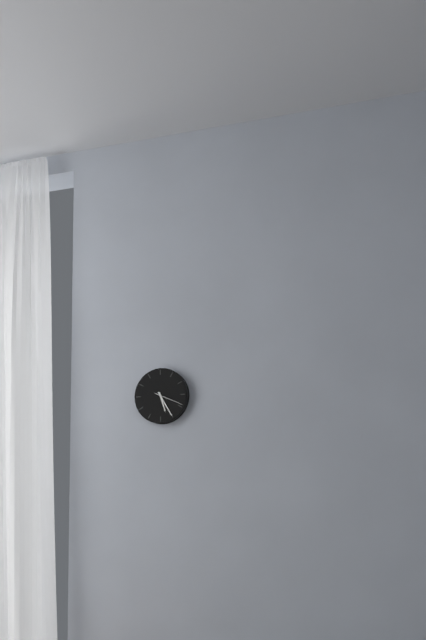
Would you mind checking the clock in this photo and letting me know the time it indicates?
5:25
